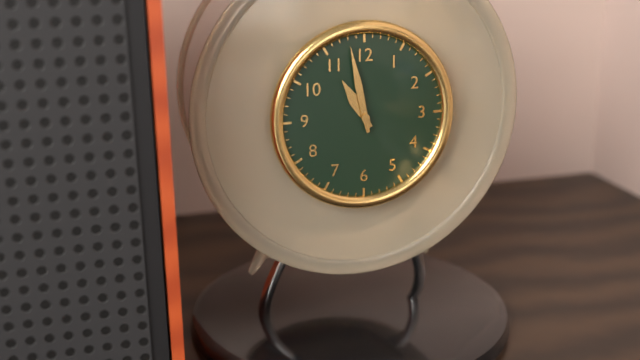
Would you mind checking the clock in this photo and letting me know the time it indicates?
10:58
